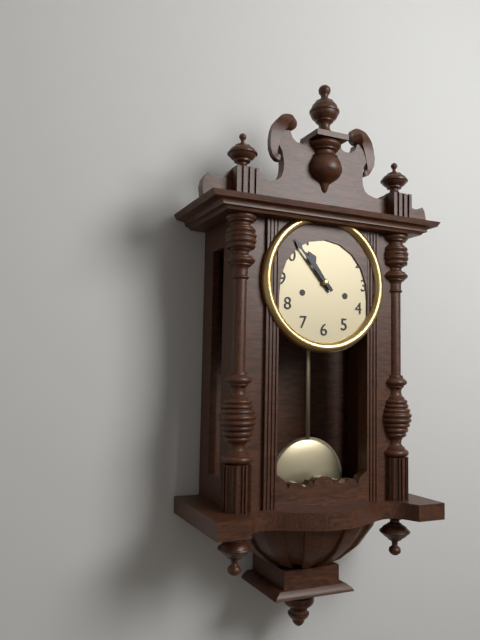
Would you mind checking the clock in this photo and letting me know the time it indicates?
10:53
